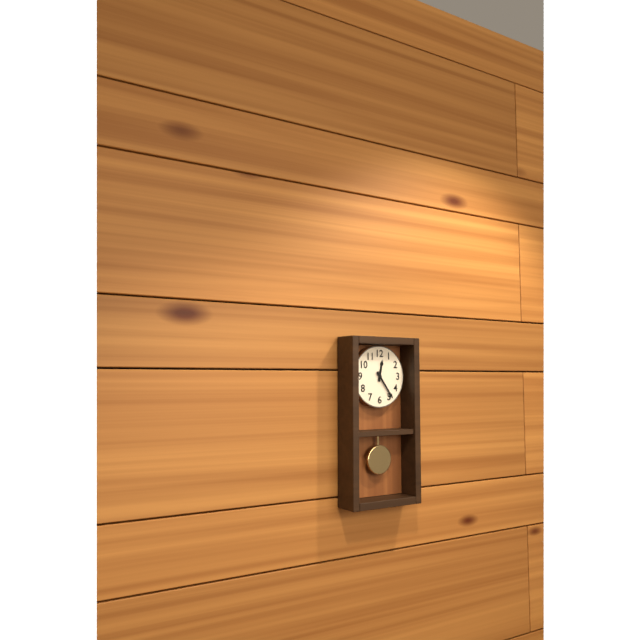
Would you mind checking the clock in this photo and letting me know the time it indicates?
12:24
